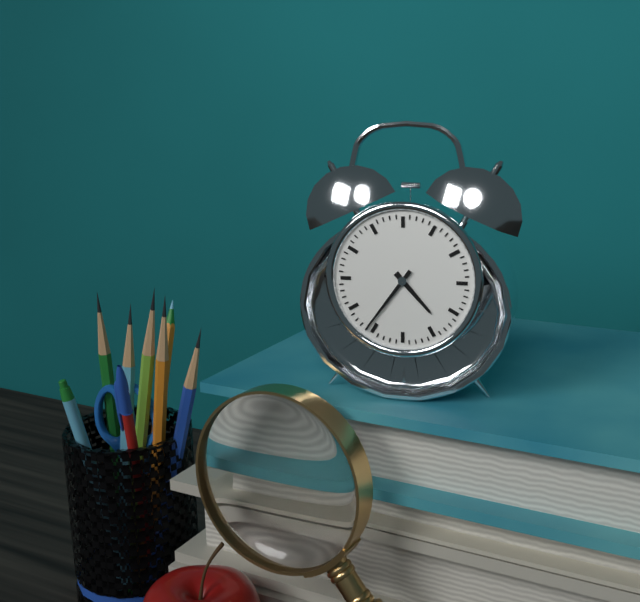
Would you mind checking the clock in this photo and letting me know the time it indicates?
4:36
